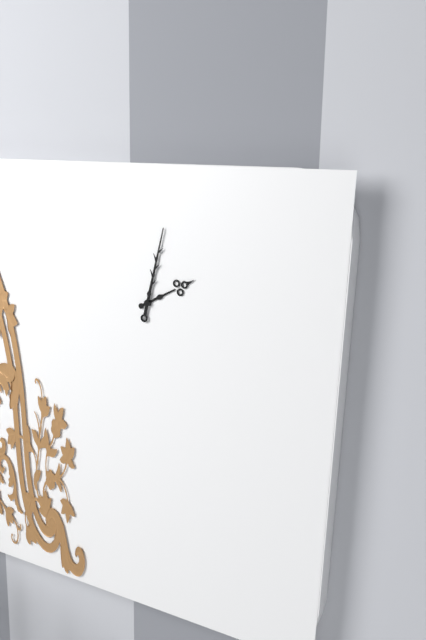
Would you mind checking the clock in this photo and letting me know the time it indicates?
2:02
